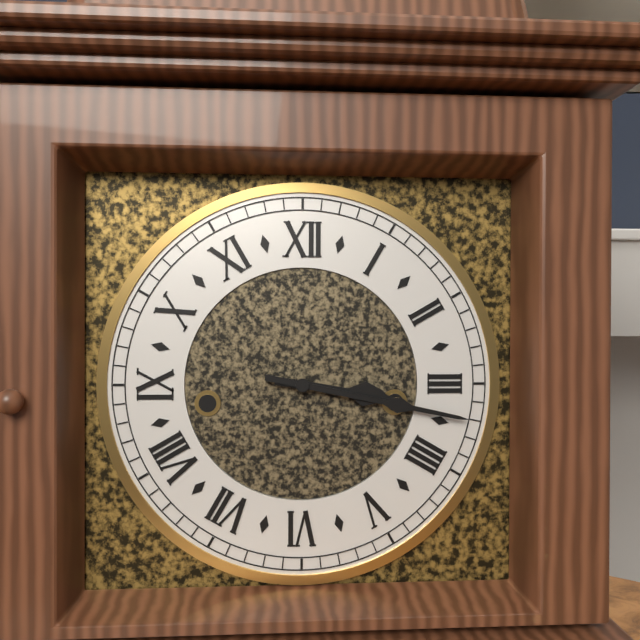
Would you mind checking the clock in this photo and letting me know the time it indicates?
3:17
